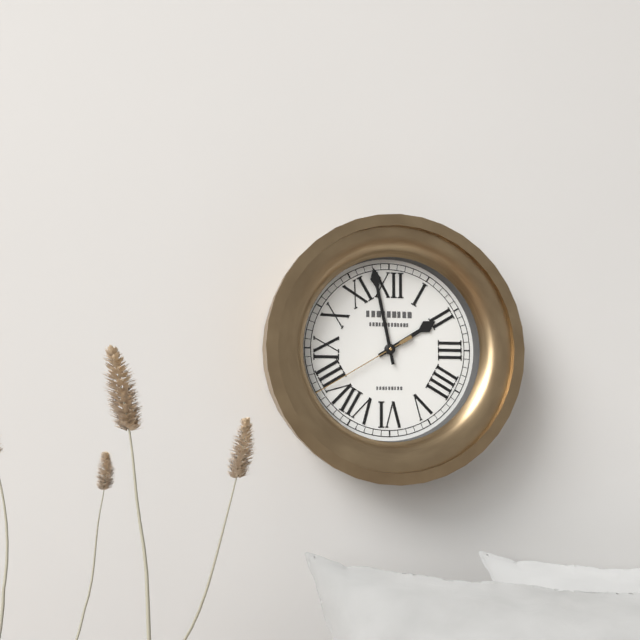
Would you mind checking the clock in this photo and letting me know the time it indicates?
1:58:40
